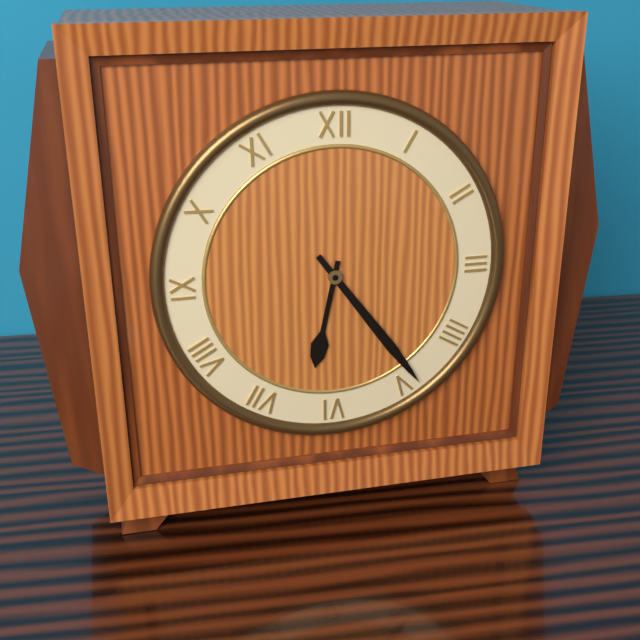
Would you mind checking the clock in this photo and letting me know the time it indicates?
6:24
